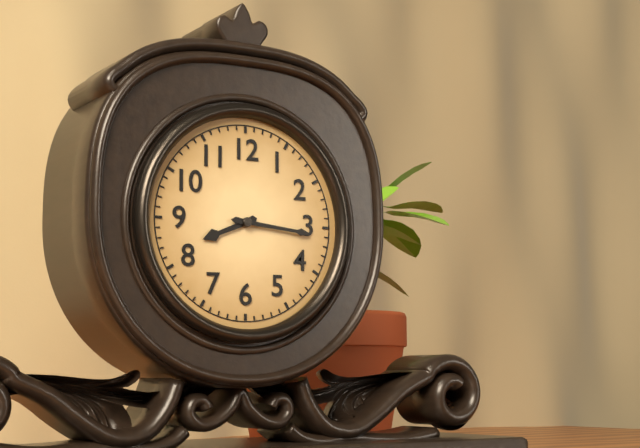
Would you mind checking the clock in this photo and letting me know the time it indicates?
8:16
